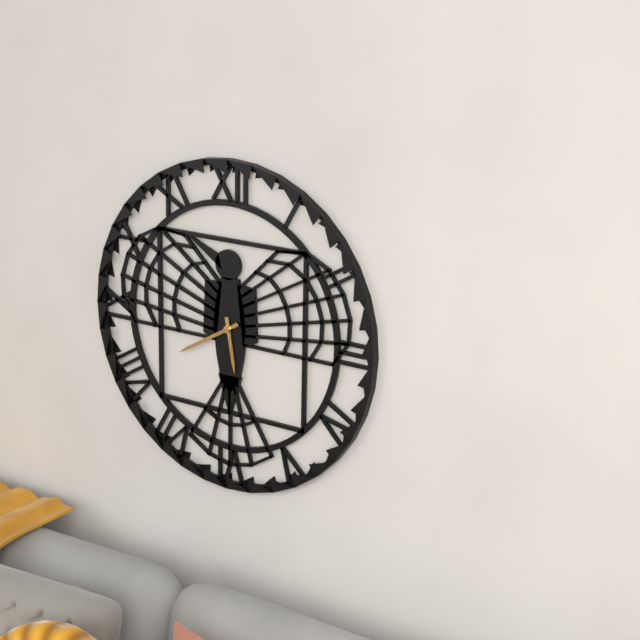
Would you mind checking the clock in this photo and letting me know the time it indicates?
5:40
